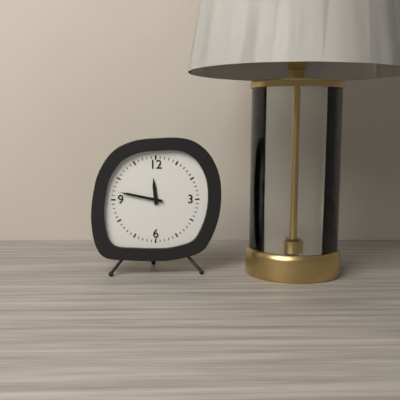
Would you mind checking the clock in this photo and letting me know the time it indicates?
11:47
